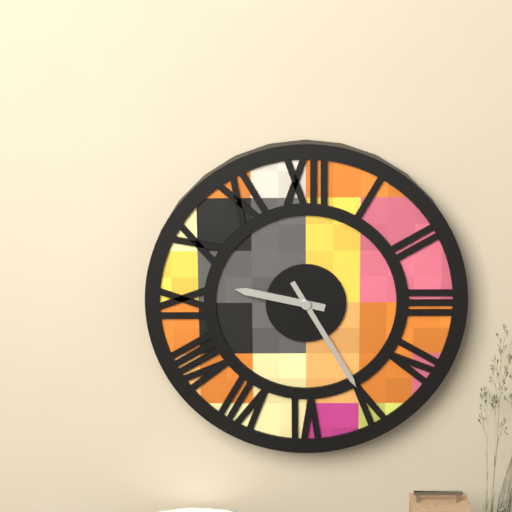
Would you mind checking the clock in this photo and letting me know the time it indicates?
9:25
